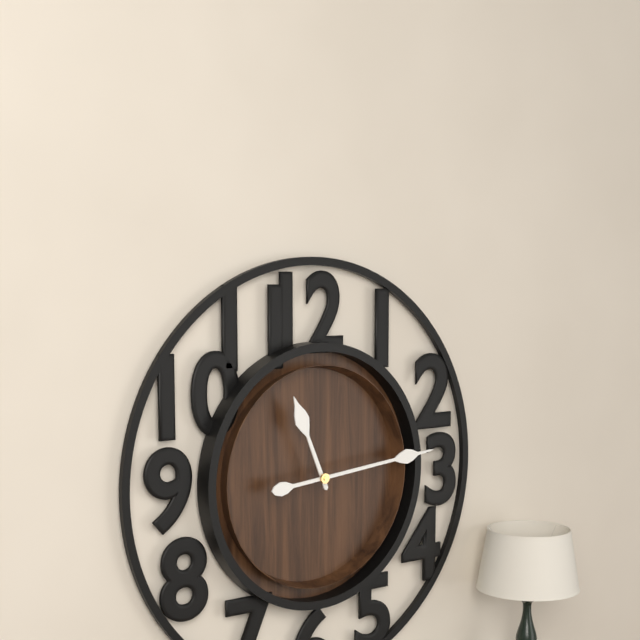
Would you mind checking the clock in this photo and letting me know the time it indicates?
11:14
